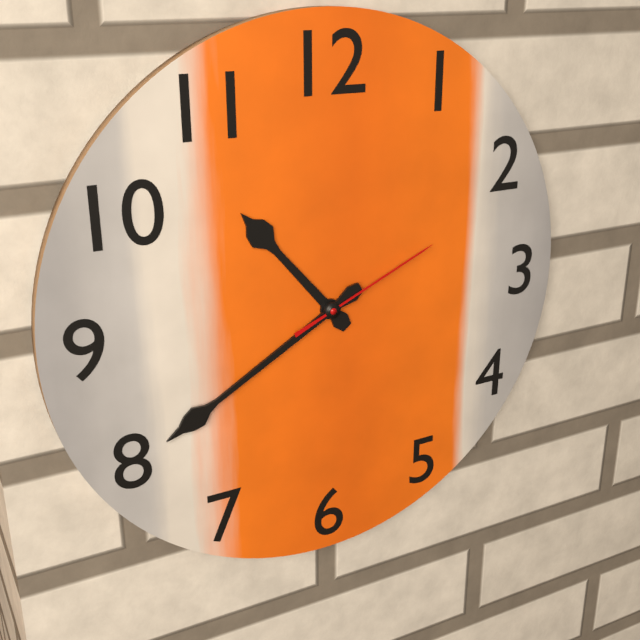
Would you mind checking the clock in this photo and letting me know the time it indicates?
10:40:11
